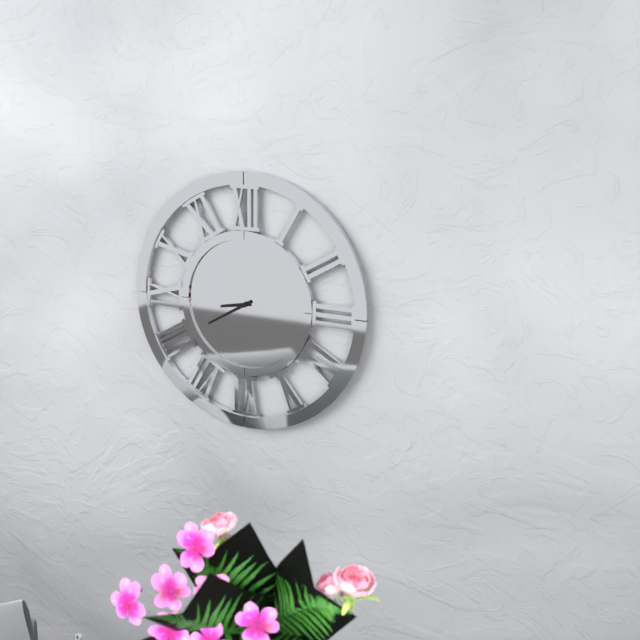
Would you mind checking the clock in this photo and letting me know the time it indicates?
8:40
